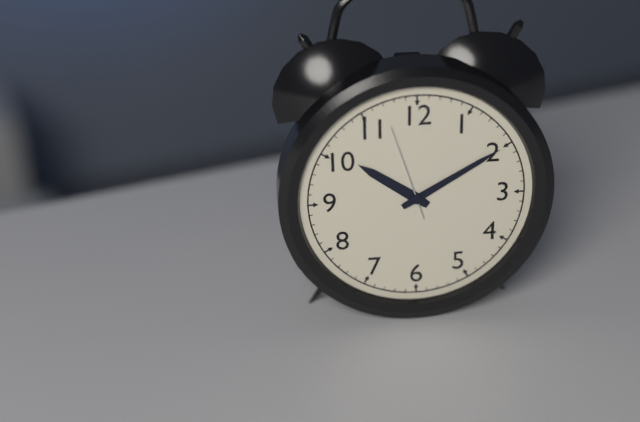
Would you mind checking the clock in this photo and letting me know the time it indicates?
10:10:57
